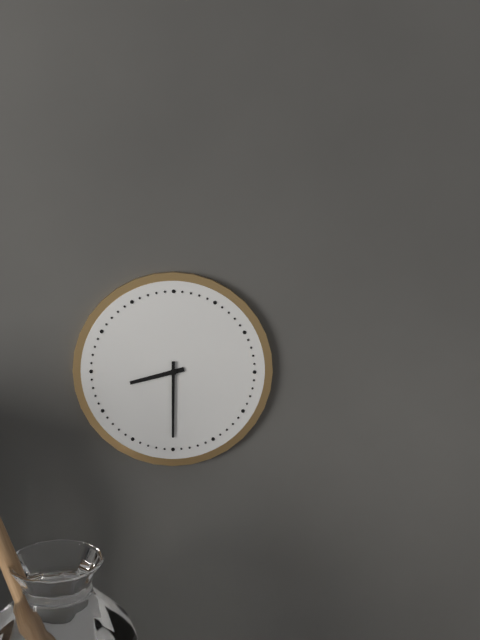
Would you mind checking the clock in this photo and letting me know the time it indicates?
8:30
